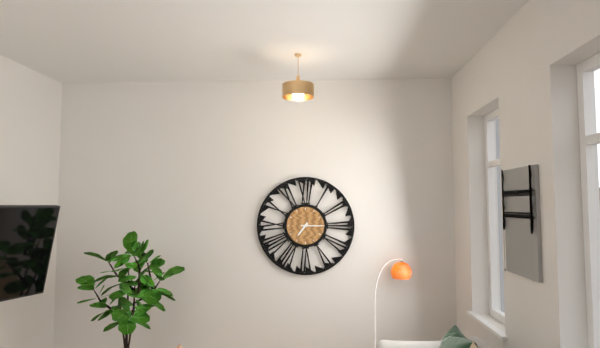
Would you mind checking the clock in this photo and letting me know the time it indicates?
7:15
